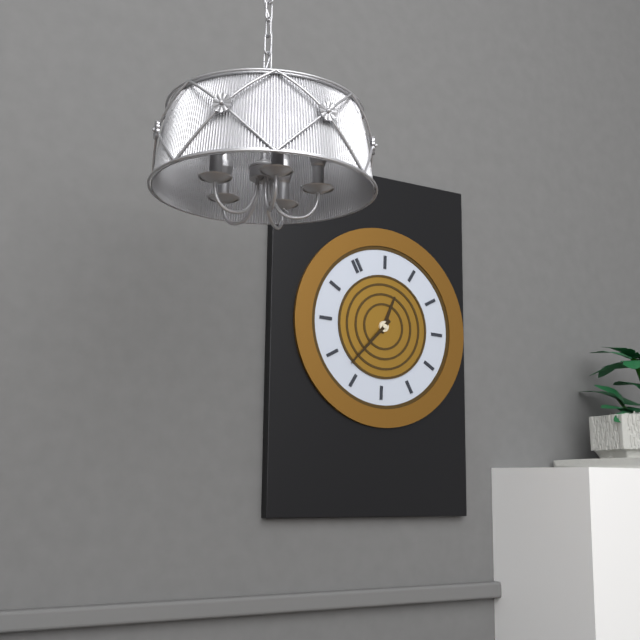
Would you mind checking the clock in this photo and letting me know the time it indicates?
1:42
